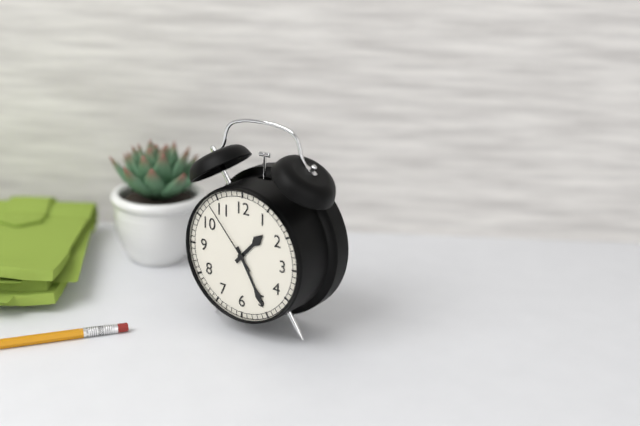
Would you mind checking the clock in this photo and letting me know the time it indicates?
1:25:53
